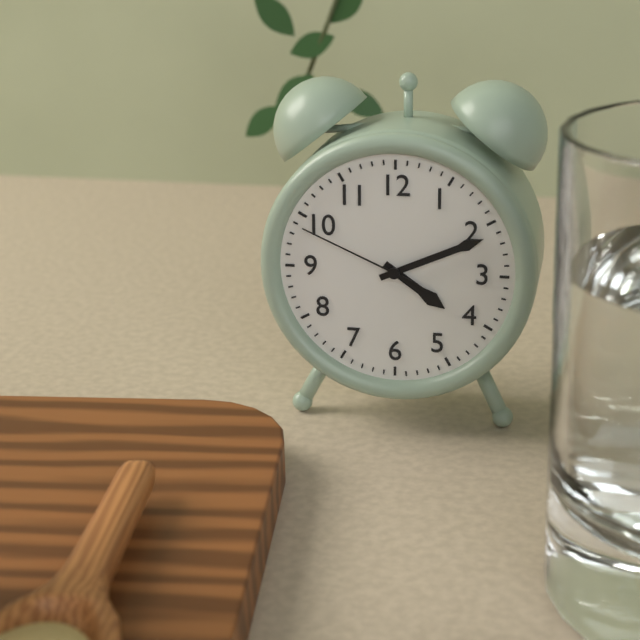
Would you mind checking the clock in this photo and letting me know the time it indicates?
4:11:49
